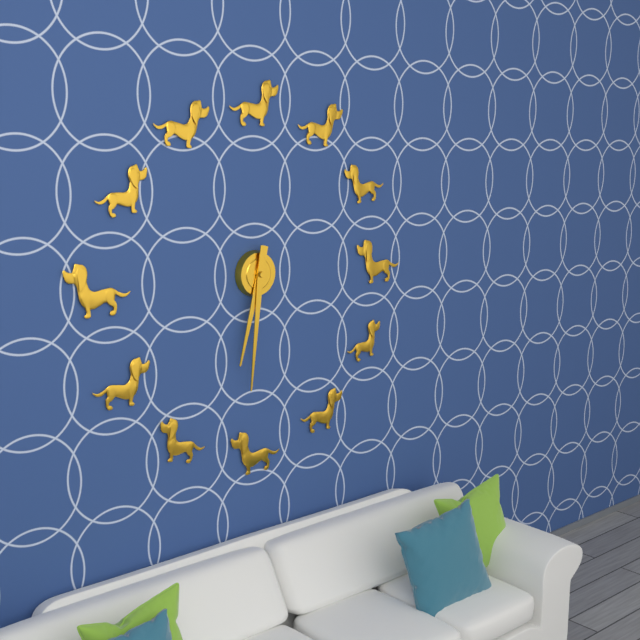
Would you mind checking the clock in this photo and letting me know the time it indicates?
6:31
